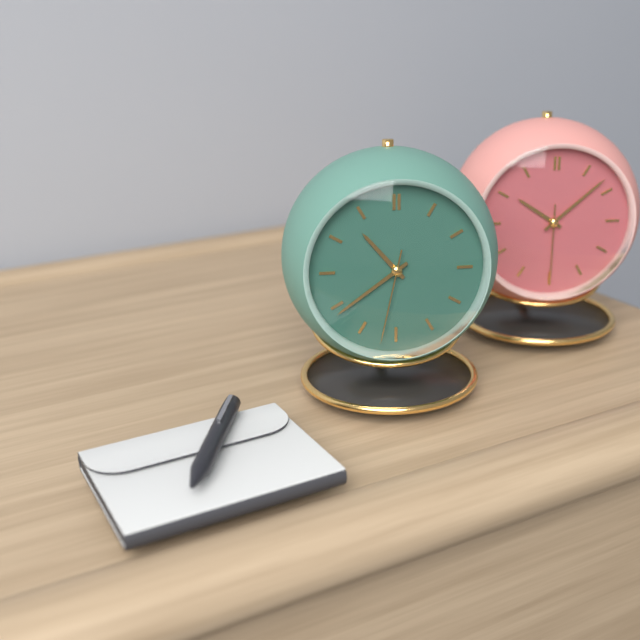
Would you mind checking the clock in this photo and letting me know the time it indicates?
10:39:32
